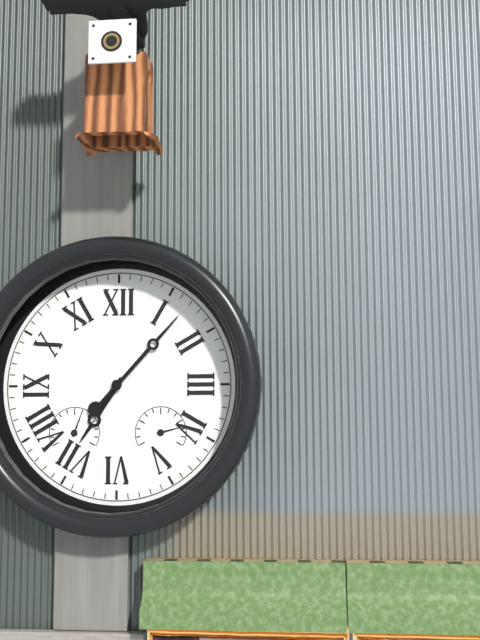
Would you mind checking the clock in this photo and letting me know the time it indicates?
7:07
